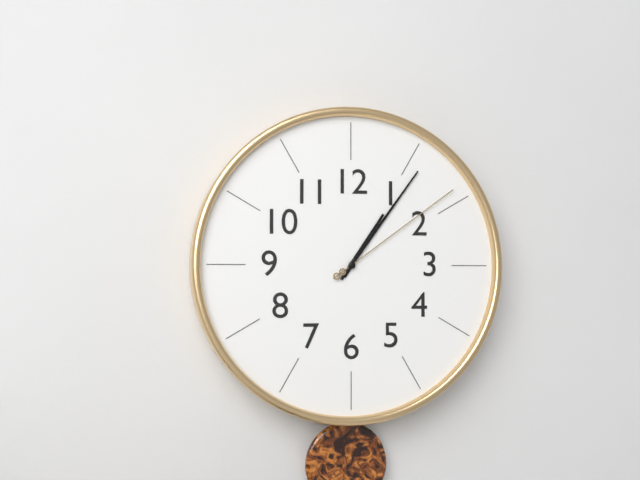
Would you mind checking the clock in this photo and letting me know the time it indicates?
1:06:09
